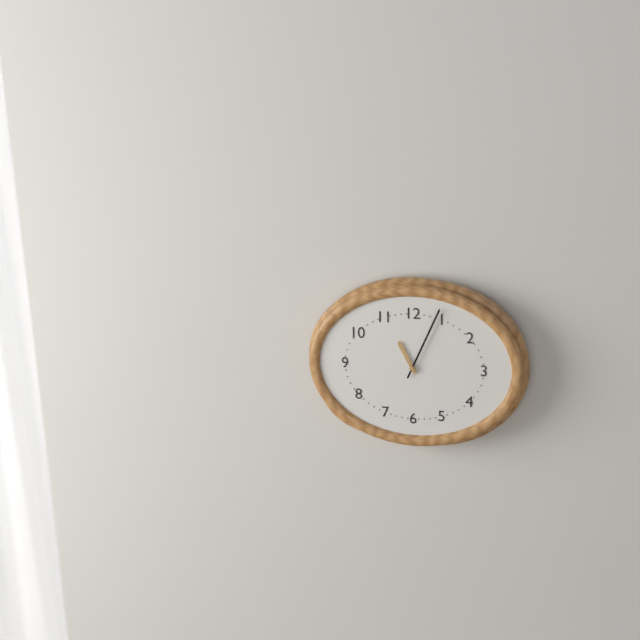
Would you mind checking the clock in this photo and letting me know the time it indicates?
11:04
